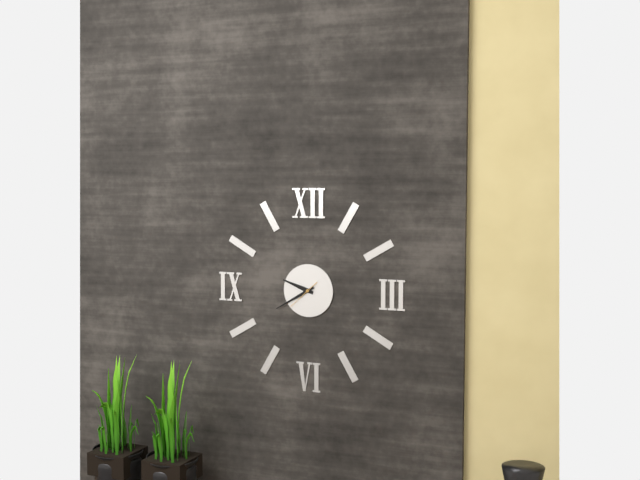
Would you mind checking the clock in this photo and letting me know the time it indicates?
9:40
